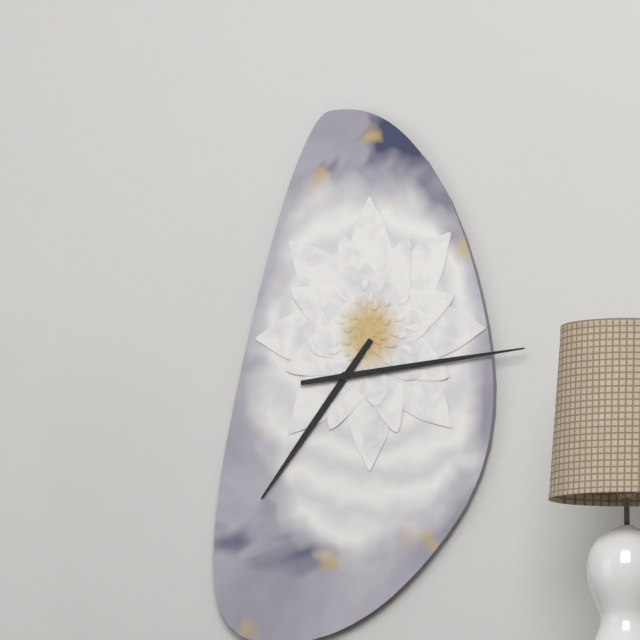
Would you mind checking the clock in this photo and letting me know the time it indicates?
7:14
